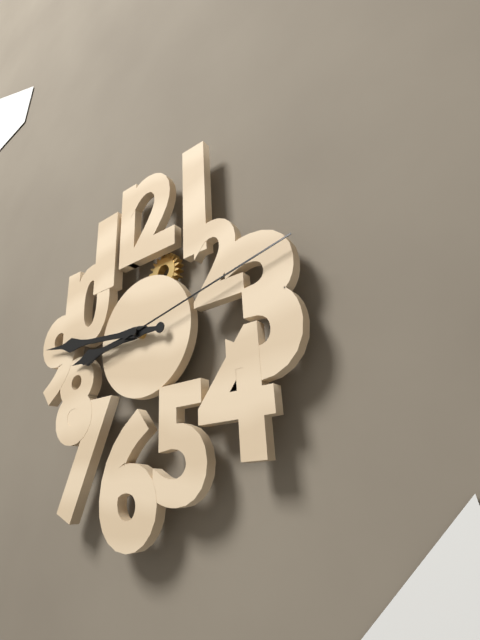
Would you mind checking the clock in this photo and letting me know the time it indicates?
8:46:13
